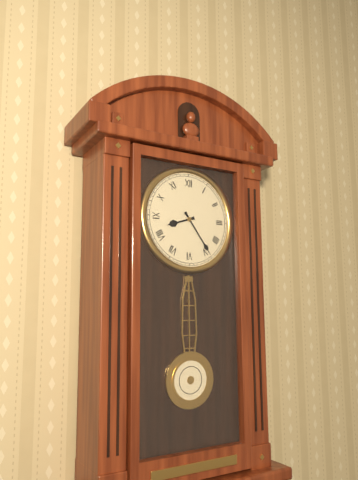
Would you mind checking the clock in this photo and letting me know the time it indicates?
8:24
